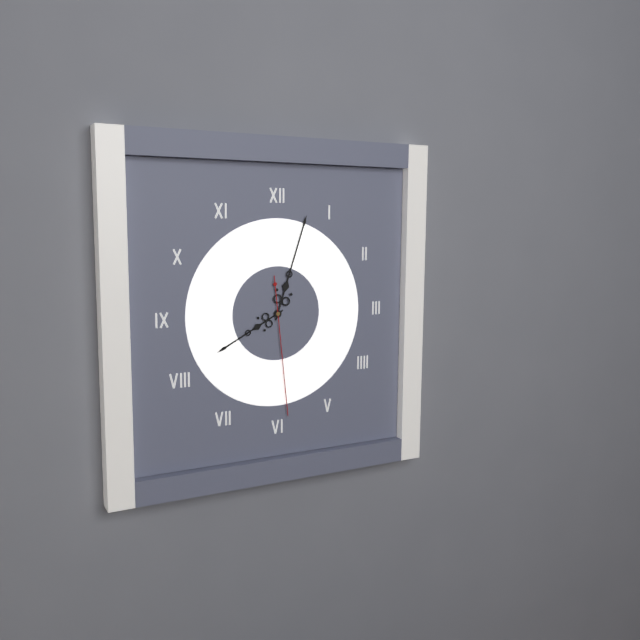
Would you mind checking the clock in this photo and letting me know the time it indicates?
8:03:29
